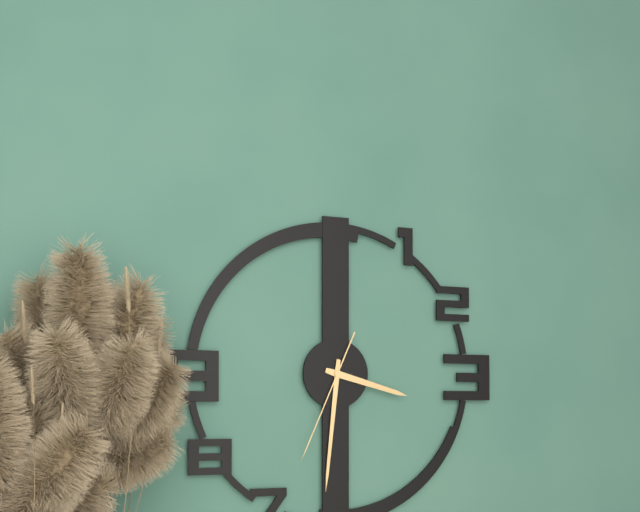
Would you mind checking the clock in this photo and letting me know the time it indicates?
3:31:34
